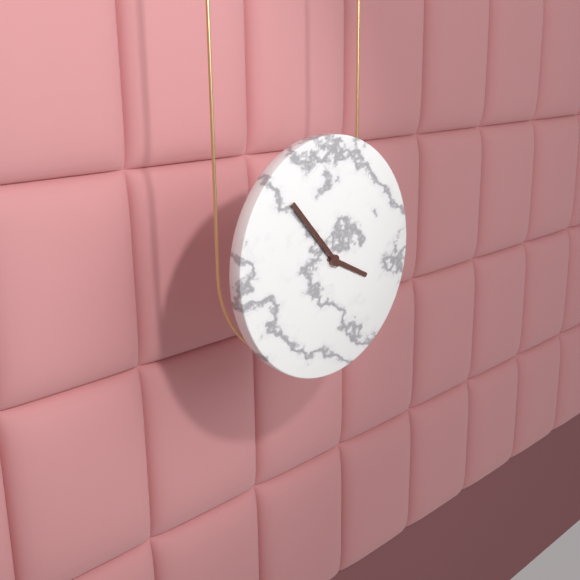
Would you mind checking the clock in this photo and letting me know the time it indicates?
3:53
